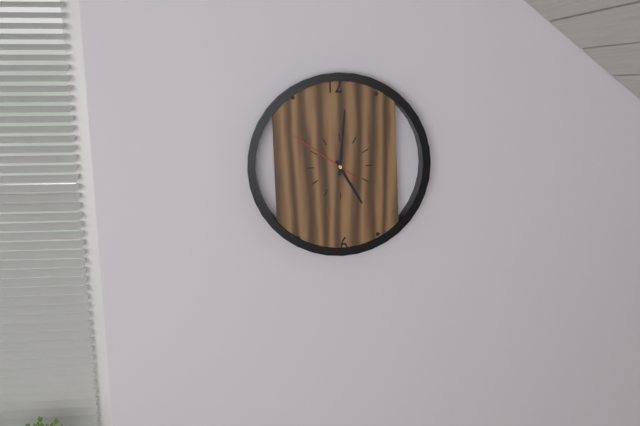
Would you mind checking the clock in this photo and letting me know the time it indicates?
5:01:51
